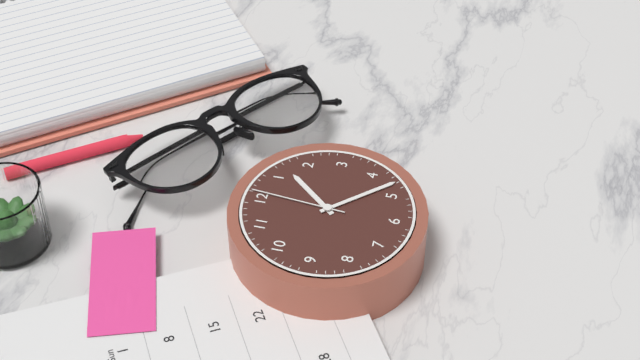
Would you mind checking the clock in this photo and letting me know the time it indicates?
1:23:01
